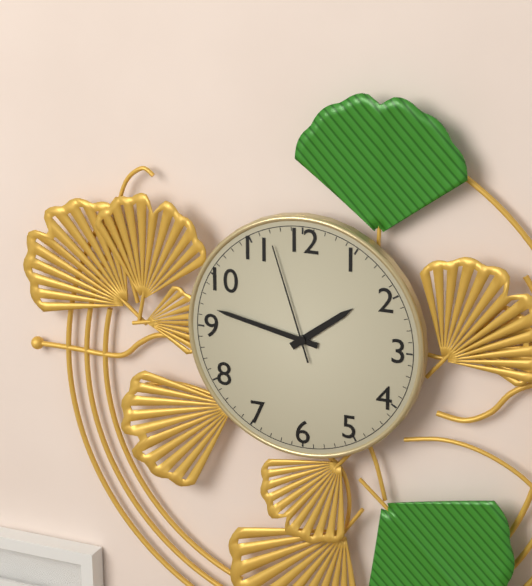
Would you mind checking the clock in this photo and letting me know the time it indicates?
1:47:57
